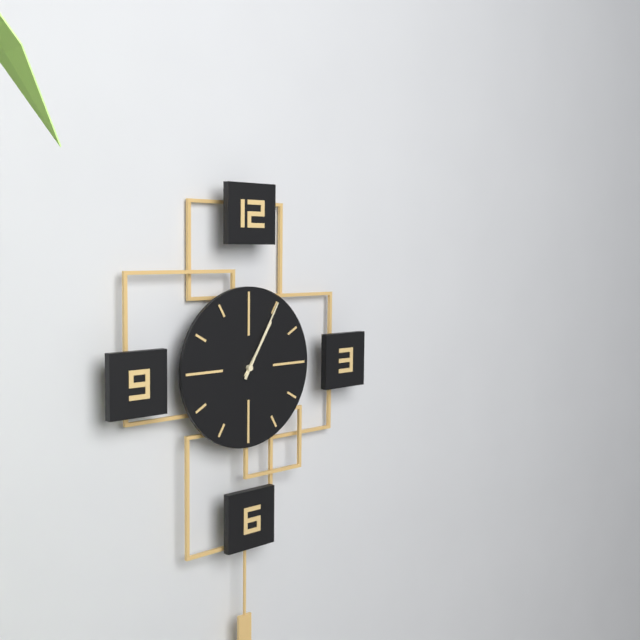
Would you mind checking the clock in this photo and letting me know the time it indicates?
1:05
